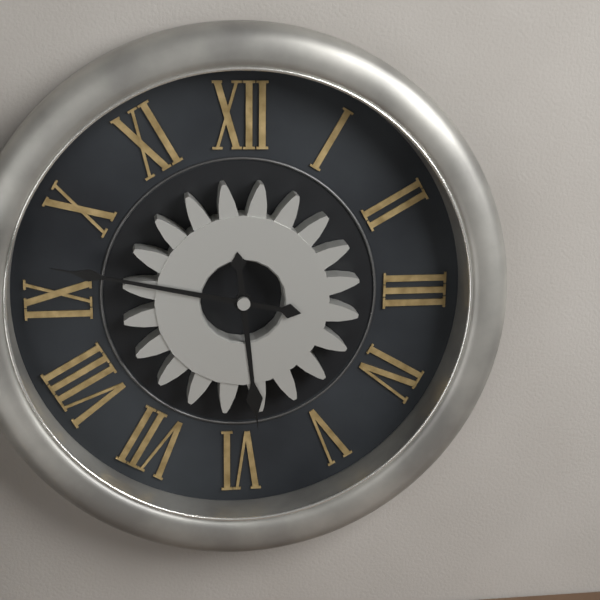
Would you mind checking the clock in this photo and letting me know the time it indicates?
5:47
